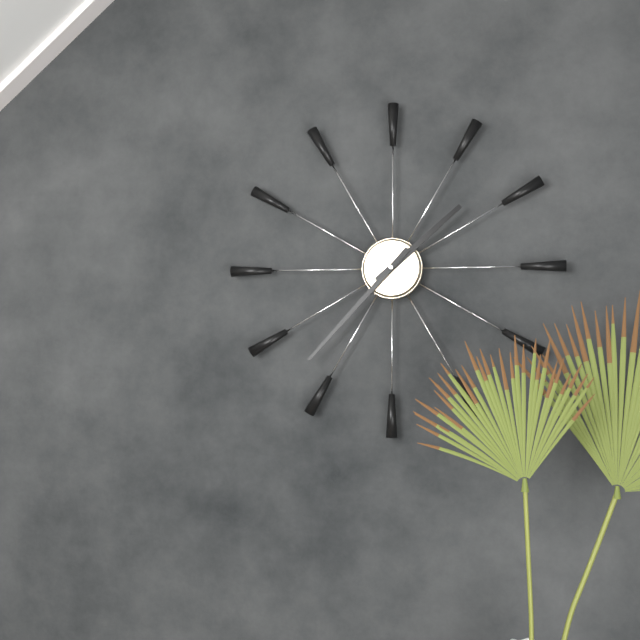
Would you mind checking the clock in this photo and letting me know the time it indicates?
1:37
